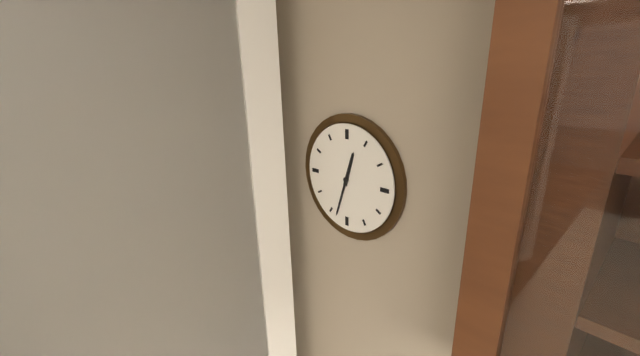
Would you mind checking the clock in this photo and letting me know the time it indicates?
12:33
